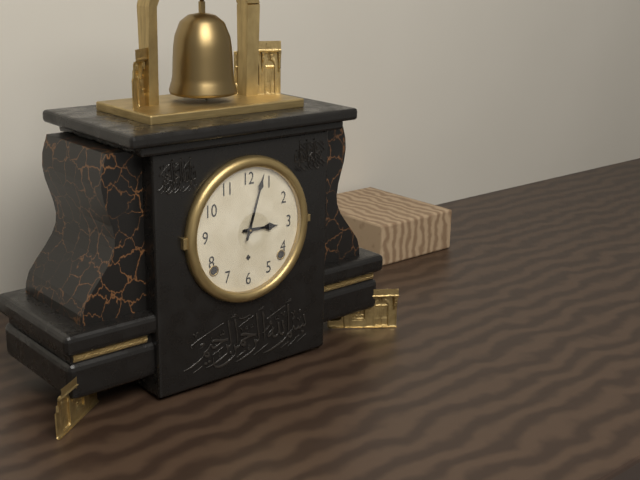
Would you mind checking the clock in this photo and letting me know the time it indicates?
3:03
